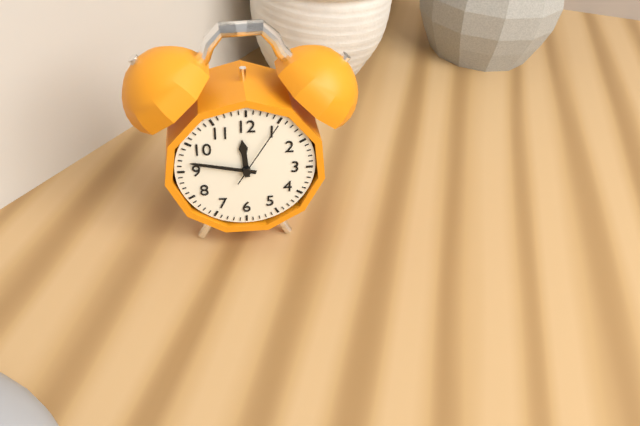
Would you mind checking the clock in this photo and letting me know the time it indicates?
11:47:05
